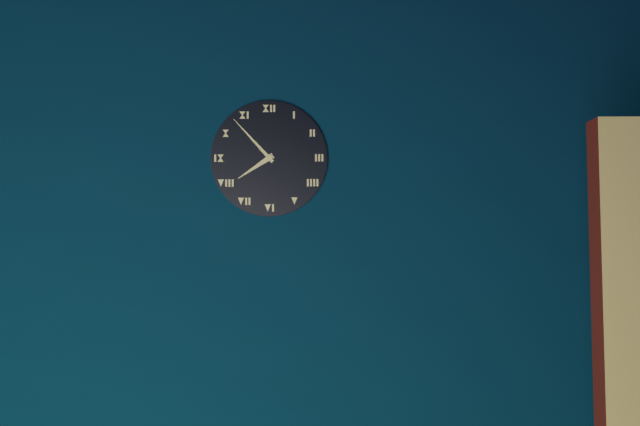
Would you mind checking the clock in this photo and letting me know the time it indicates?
7:53
